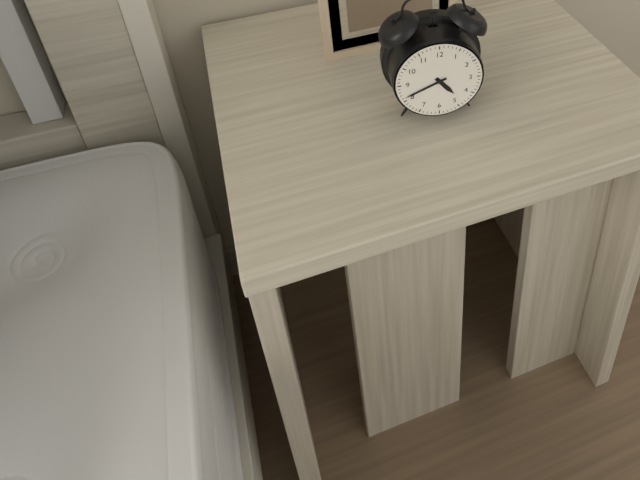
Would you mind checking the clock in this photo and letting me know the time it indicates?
4:41
